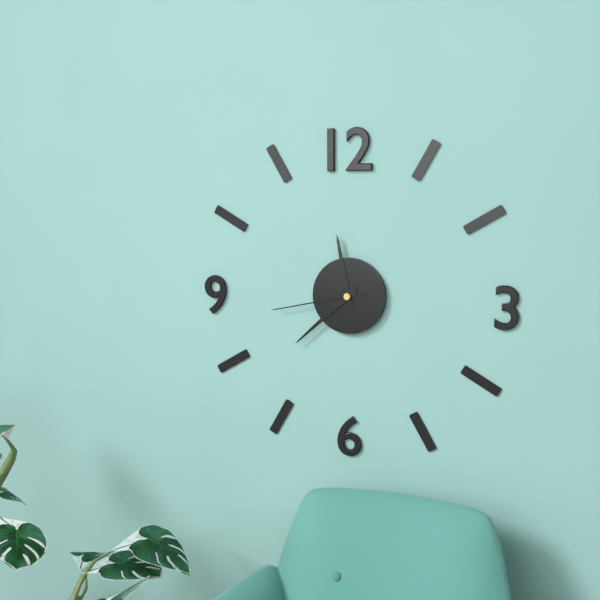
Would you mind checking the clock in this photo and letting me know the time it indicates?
11:38:43
